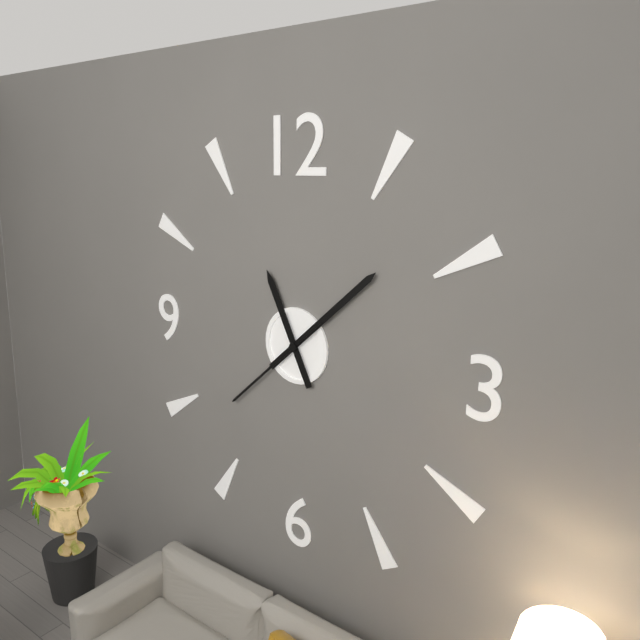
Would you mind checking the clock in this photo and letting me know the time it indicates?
11:08:38
